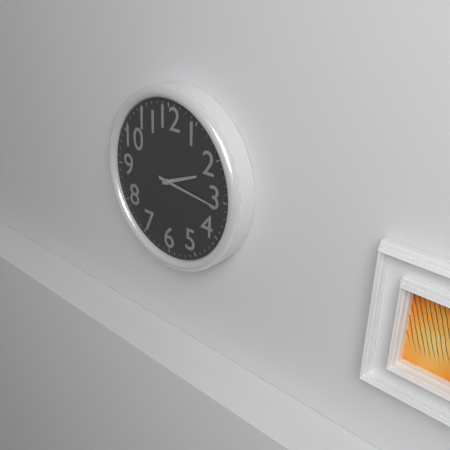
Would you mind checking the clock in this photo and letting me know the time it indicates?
2:16
